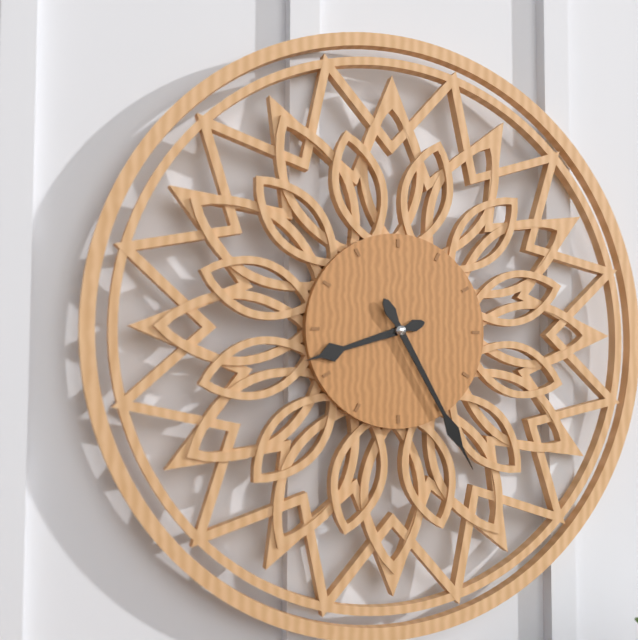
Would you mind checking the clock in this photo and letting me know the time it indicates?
8:25
